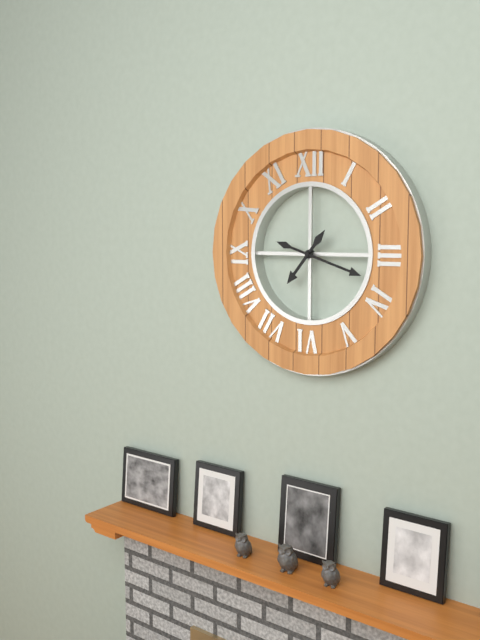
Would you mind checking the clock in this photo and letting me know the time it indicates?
7:18
